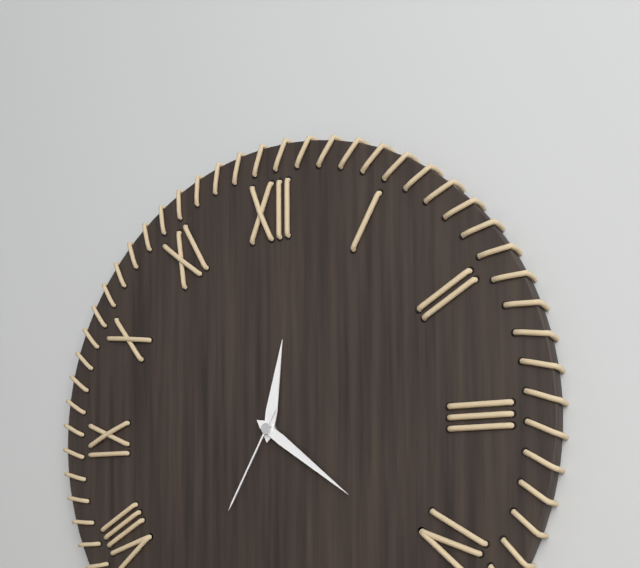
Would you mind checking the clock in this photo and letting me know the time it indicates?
12:21:35
